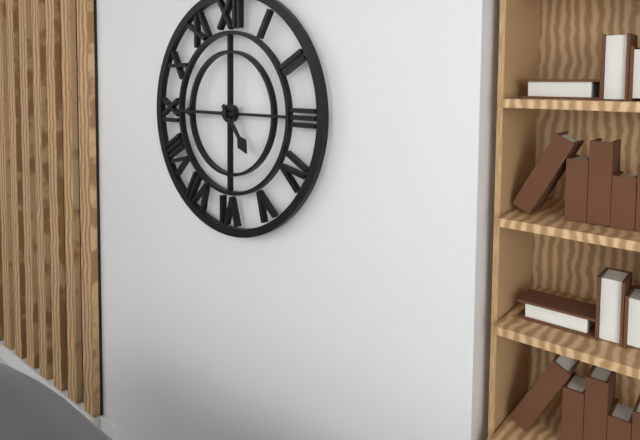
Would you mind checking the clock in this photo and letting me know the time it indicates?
4:45
